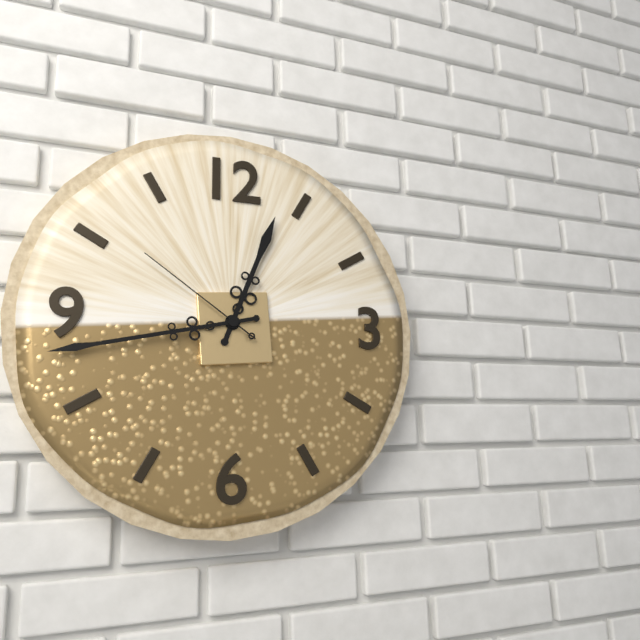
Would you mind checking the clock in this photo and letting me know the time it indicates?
12:43:51
